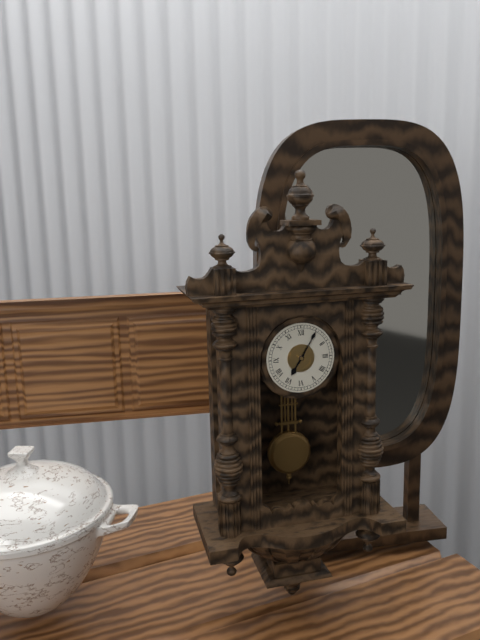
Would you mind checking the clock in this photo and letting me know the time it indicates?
7:05
